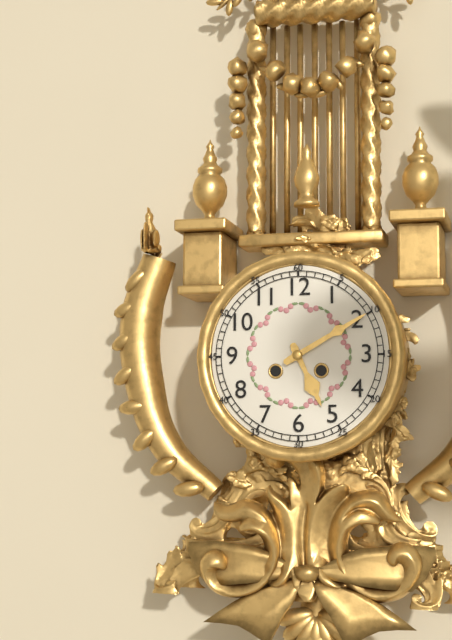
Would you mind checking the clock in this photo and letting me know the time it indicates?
5:10
